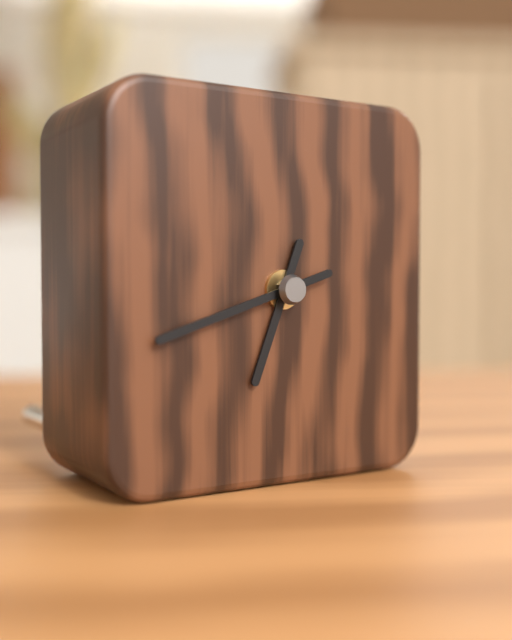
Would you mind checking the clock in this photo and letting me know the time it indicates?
6:42
